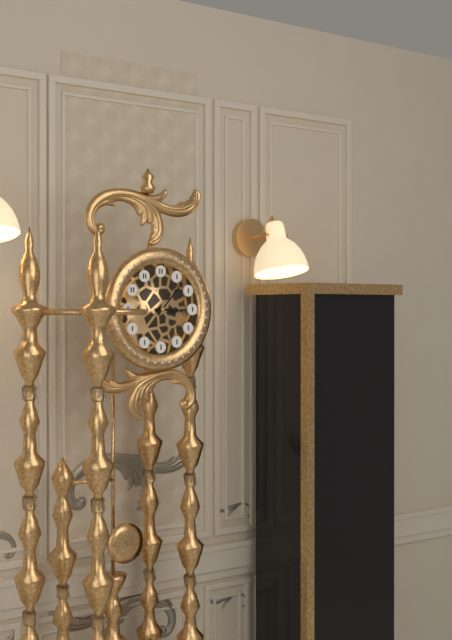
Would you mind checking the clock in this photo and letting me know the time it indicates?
3:07
